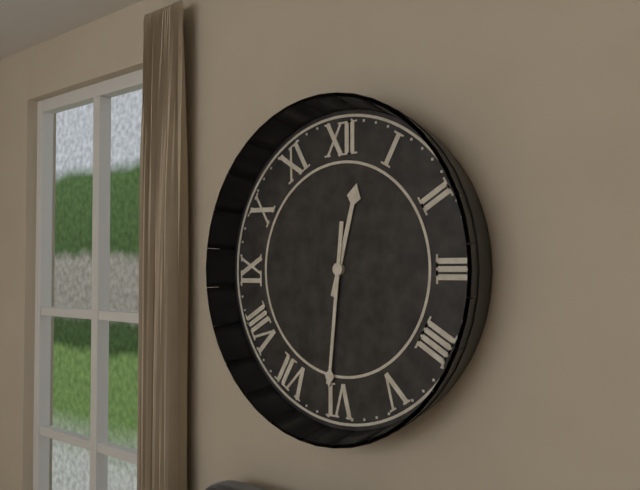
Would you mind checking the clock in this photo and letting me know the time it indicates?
12:31
